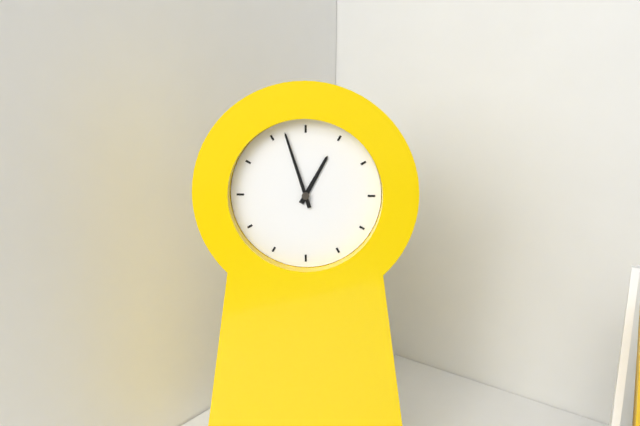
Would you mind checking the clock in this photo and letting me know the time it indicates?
12:57
